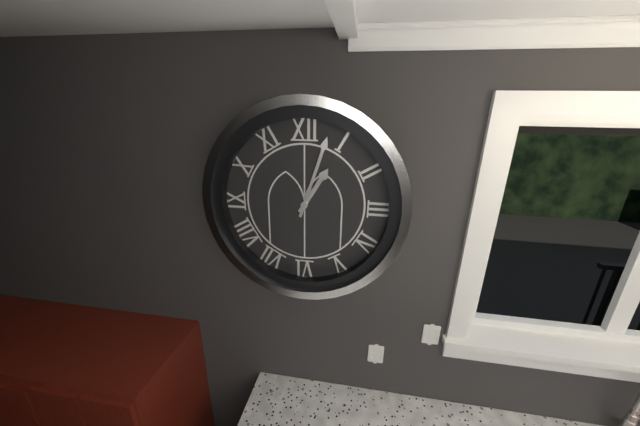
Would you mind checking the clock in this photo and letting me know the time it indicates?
1:03
